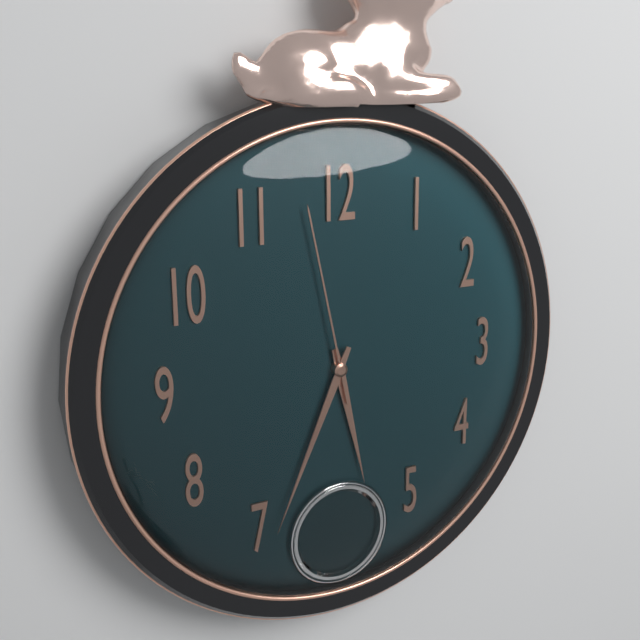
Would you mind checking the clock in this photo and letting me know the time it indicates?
5:34:58
